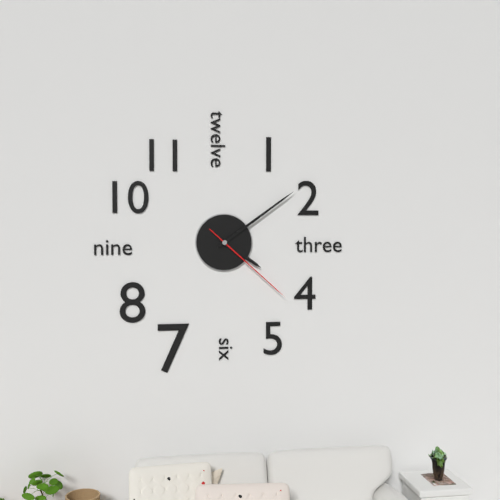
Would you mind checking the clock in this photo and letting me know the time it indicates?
4:09:22
